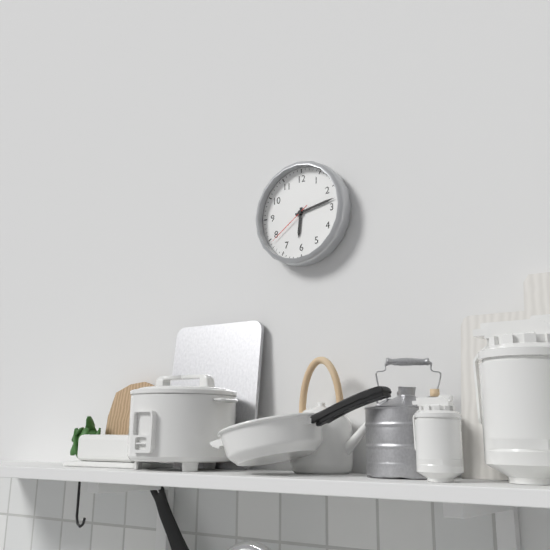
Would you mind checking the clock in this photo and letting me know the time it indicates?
6:13:39
